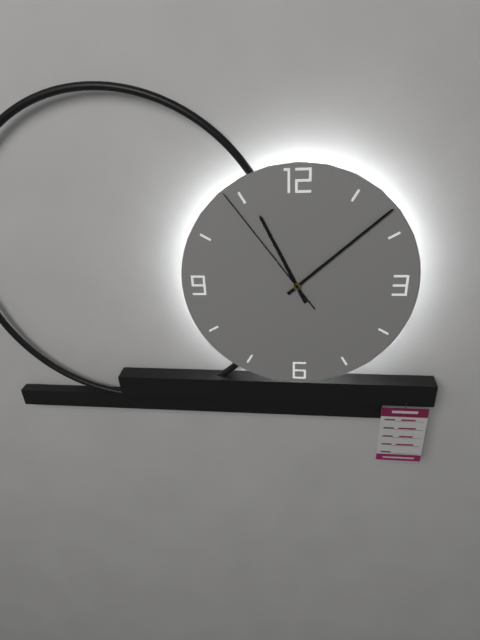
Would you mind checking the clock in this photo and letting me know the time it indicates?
11:08:54
